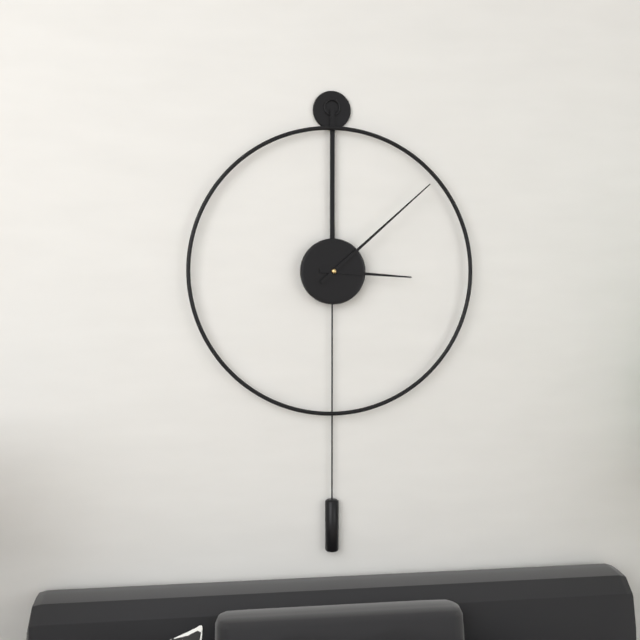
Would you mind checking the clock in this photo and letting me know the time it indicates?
3:08
